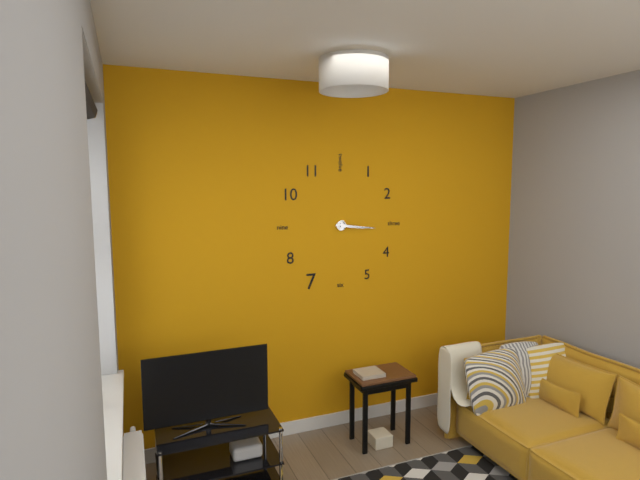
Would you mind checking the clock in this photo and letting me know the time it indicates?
3:16
